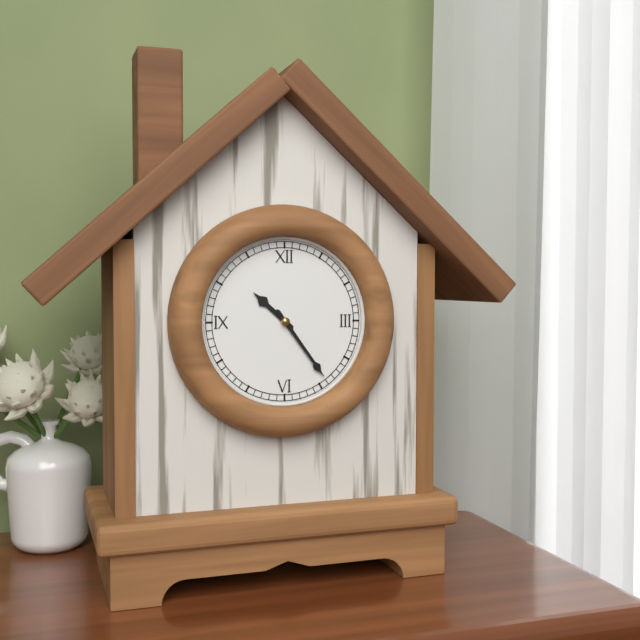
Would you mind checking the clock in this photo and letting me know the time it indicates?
10:24
